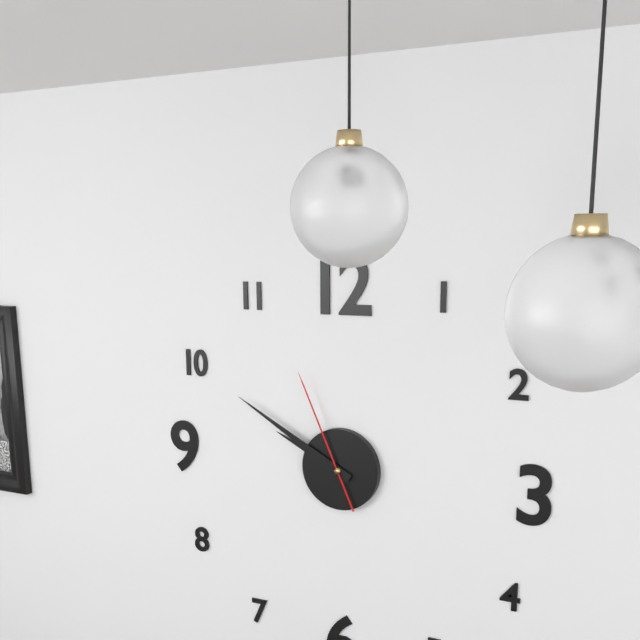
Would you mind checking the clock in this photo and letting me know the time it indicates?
9:50:56
